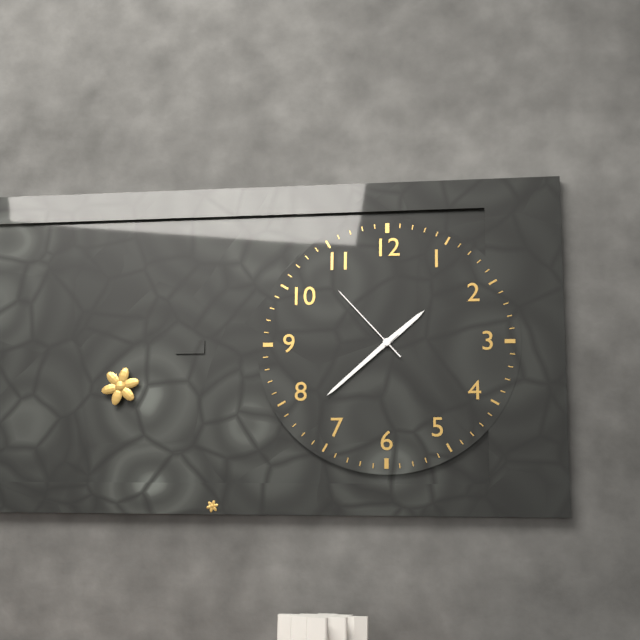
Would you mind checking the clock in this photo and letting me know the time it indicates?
1:38:53
